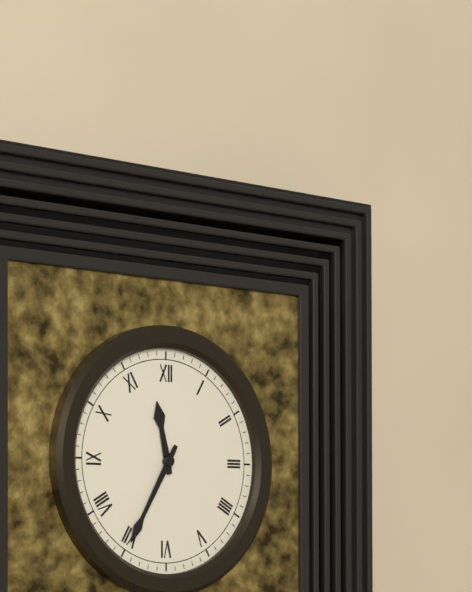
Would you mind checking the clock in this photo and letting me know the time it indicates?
11:35
